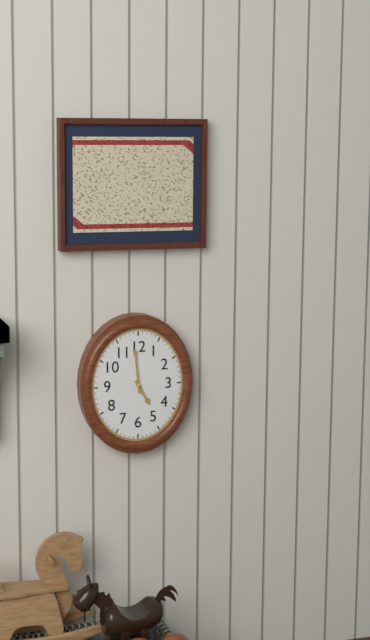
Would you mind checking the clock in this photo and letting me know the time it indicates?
4:59
